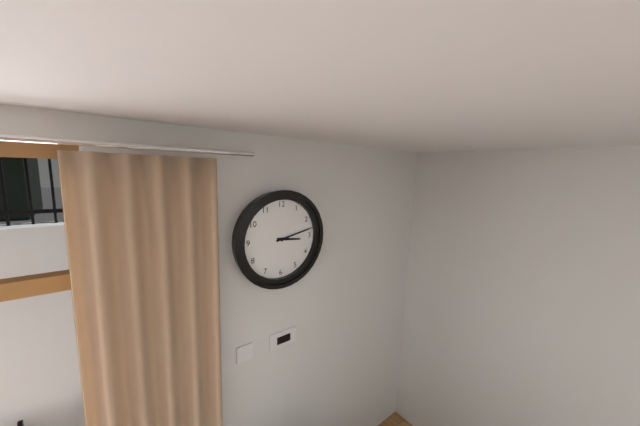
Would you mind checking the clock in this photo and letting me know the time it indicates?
3:13
